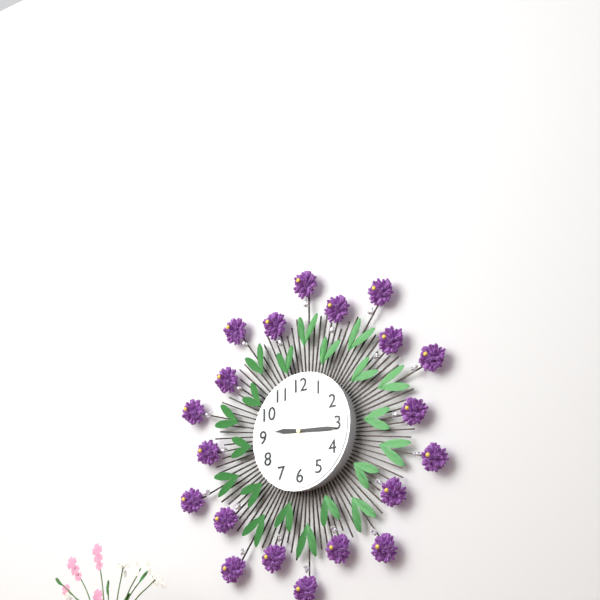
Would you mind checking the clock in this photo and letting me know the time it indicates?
9:16
